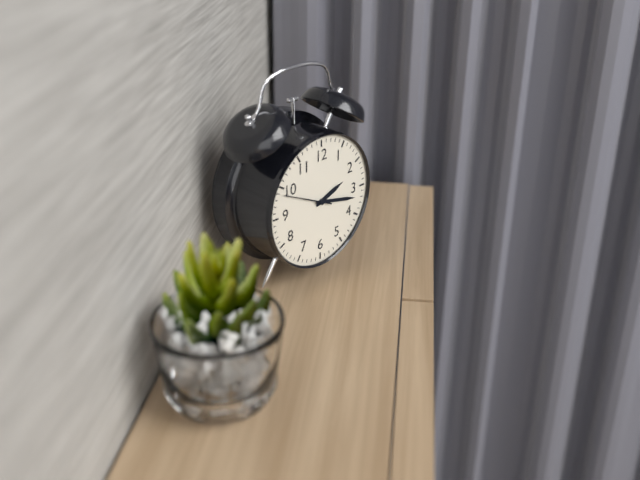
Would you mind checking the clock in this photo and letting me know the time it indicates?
2:17
